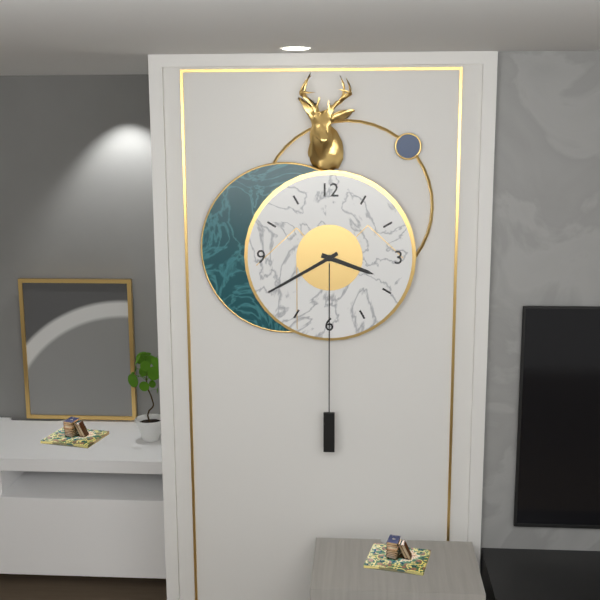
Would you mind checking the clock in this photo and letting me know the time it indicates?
3:40
